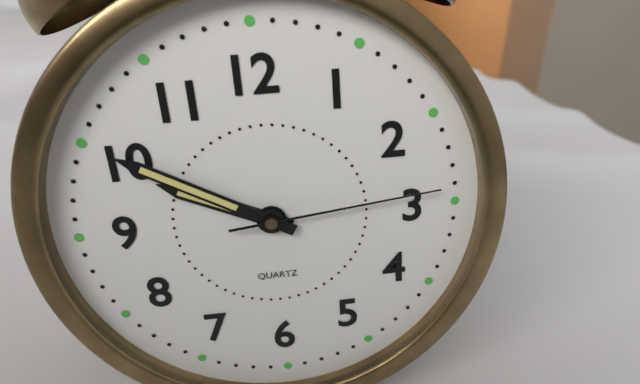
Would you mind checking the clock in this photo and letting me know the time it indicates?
9:50:14
